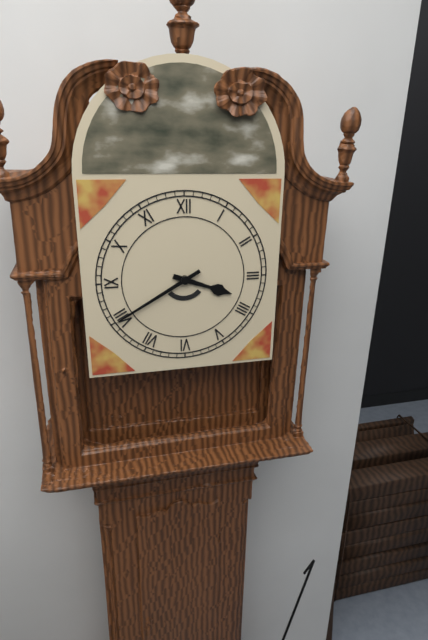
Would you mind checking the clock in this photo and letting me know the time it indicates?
3:40
